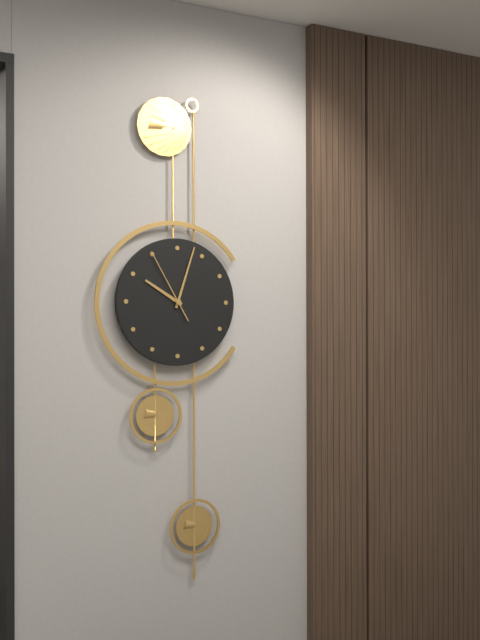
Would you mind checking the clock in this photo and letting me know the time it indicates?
10:03:55
